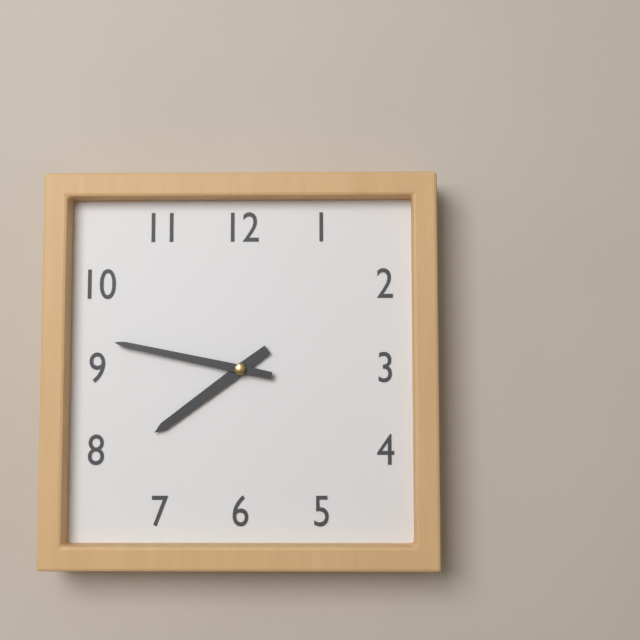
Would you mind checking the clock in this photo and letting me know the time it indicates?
7:47
